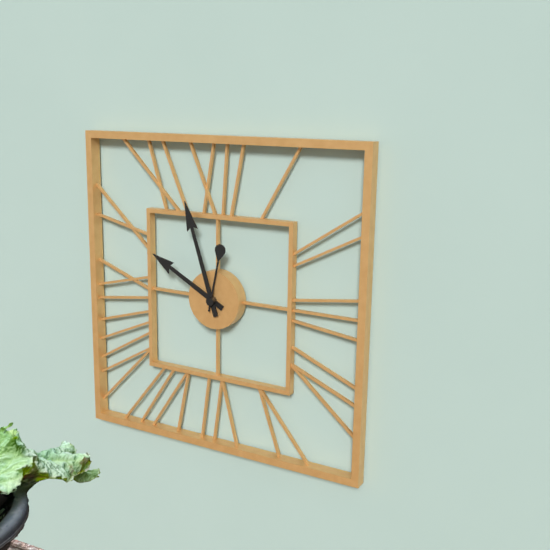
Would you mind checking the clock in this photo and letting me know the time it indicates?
9:57:02
